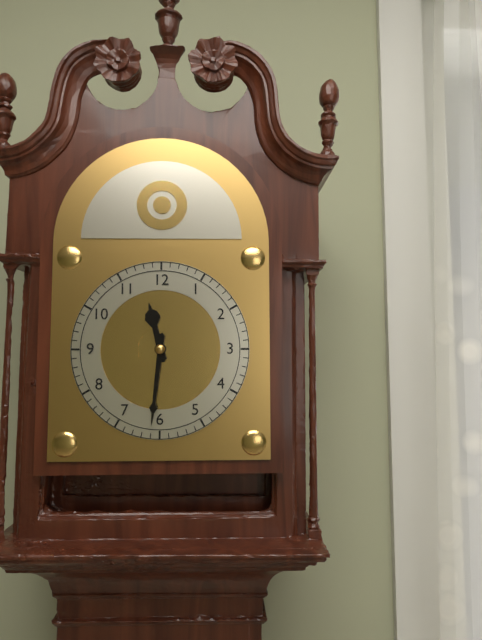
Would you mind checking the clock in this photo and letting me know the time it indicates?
11:31
